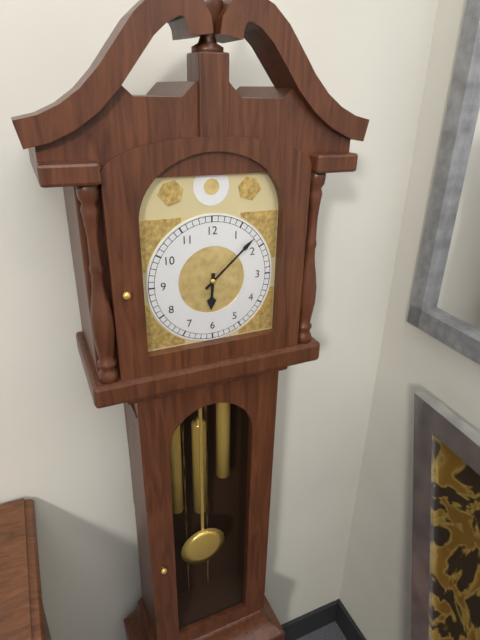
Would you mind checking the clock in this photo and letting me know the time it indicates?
6:08
